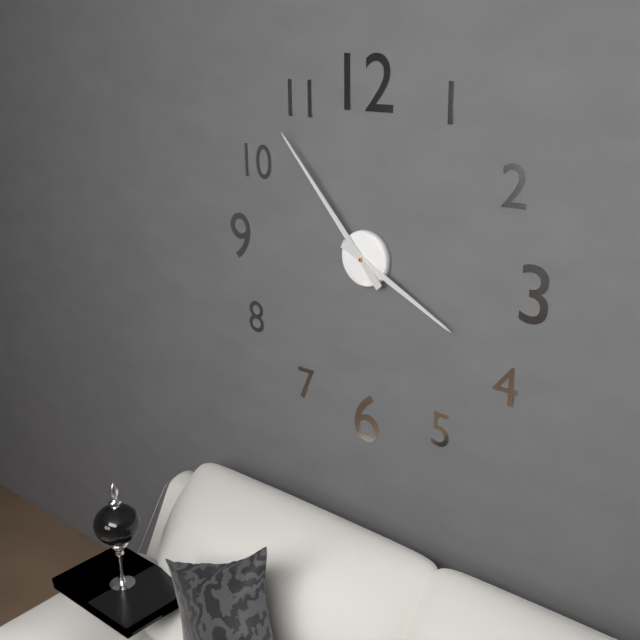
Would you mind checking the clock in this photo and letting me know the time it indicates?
3:53
